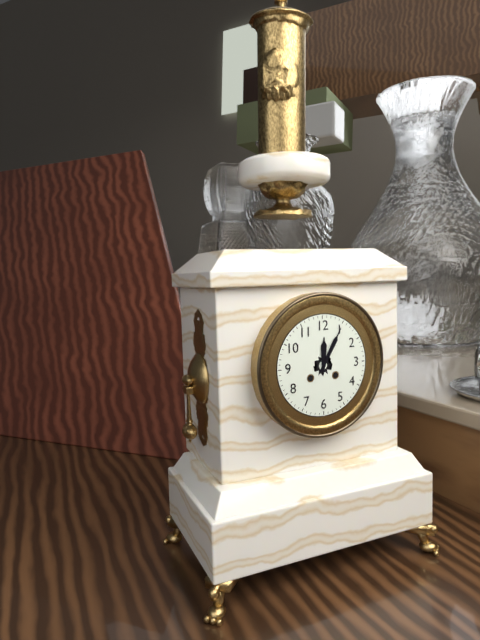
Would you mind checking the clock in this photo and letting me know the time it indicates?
12:05
